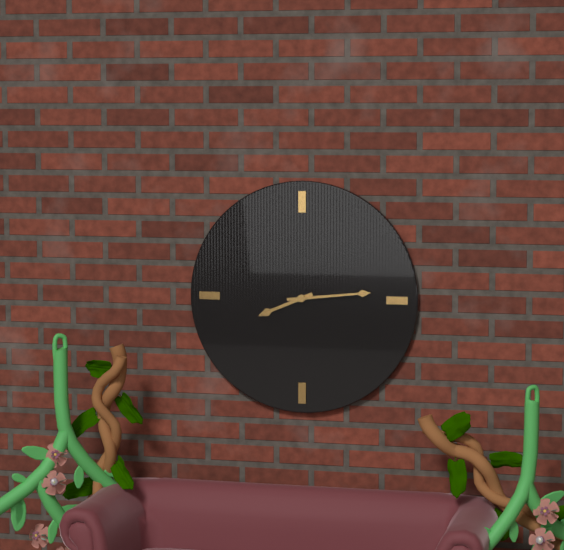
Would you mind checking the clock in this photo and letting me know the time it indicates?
8:14
